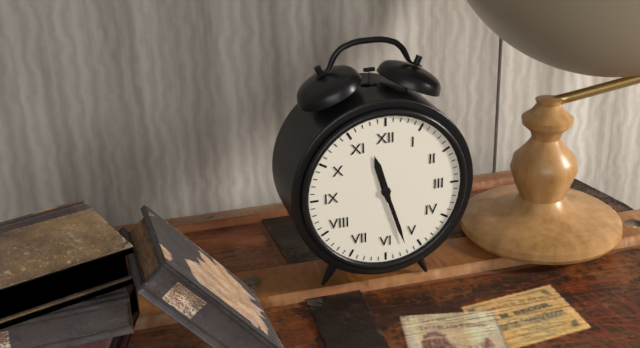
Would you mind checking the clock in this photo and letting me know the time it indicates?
11:27
